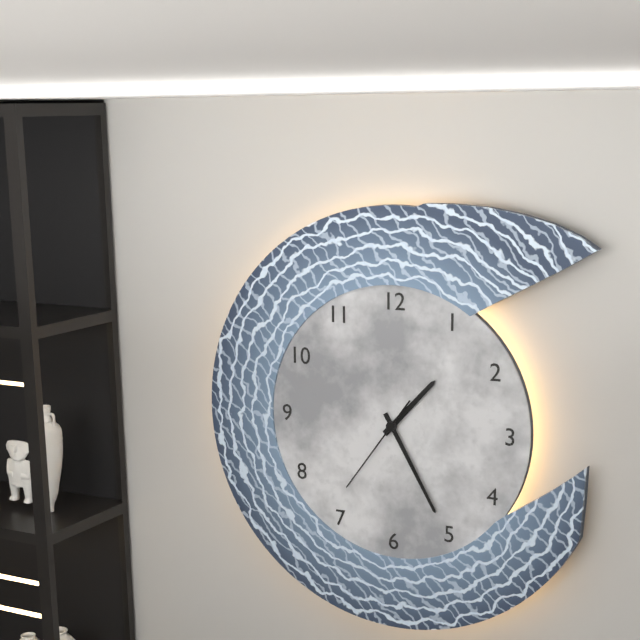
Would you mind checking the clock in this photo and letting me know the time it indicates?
1:25:36
